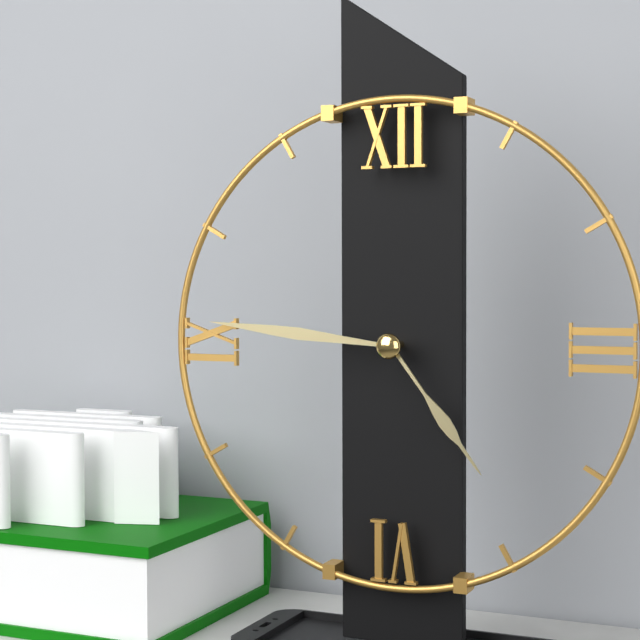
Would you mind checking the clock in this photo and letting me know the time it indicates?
4:46
